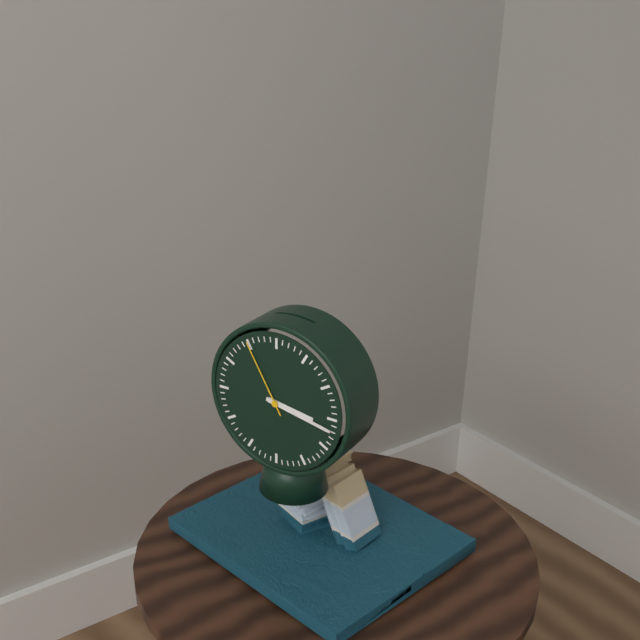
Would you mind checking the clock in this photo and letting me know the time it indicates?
3:17:55
